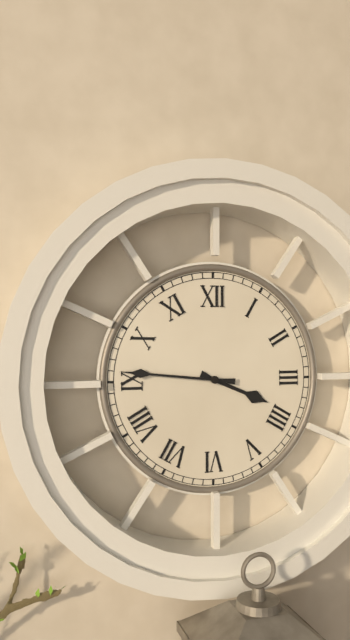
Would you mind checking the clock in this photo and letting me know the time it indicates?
3:46
